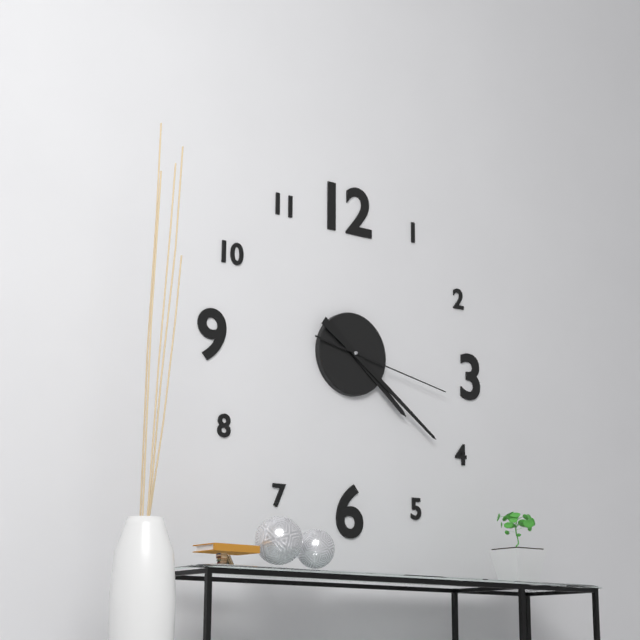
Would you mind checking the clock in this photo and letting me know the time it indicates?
4:21:17
